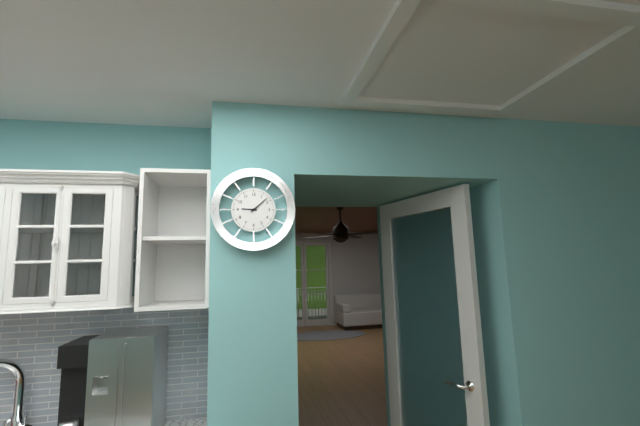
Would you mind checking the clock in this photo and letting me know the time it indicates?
9:08
